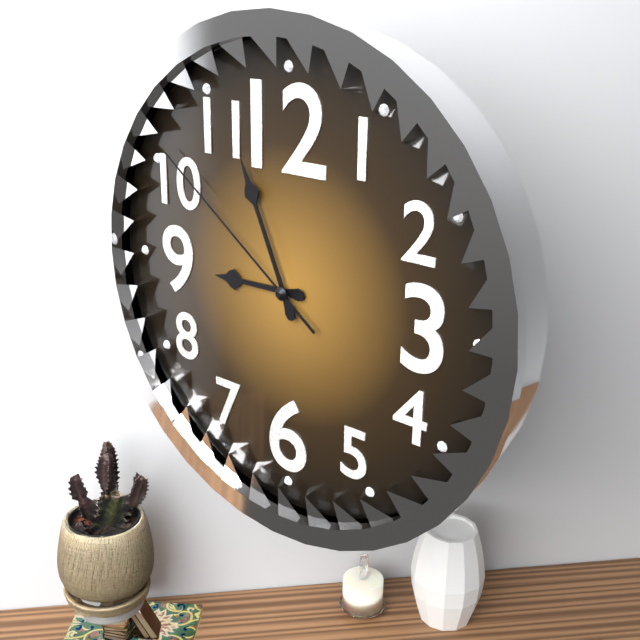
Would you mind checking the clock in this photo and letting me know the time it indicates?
8:56:51
